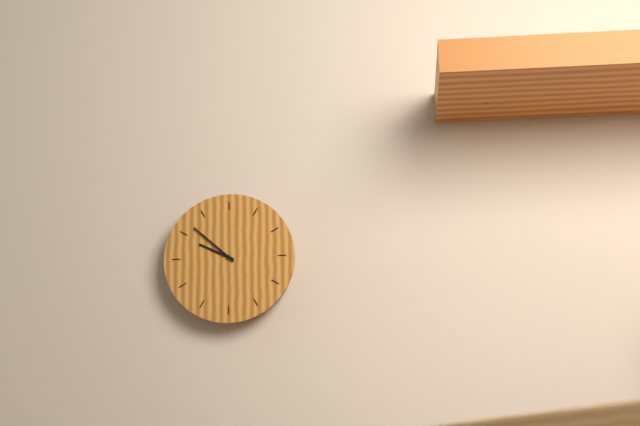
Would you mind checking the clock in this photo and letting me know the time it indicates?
9:52
